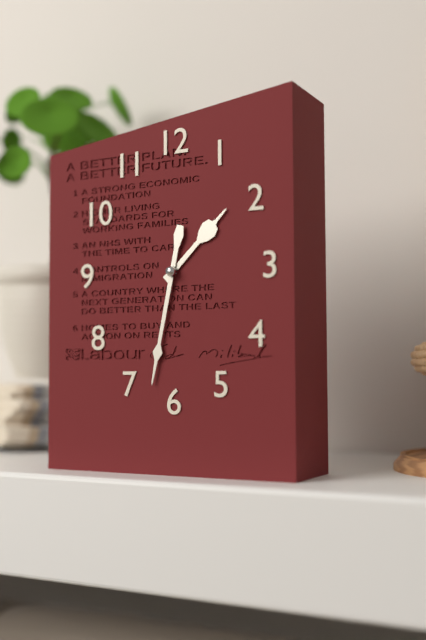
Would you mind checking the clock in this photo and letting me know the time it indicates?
1:32
